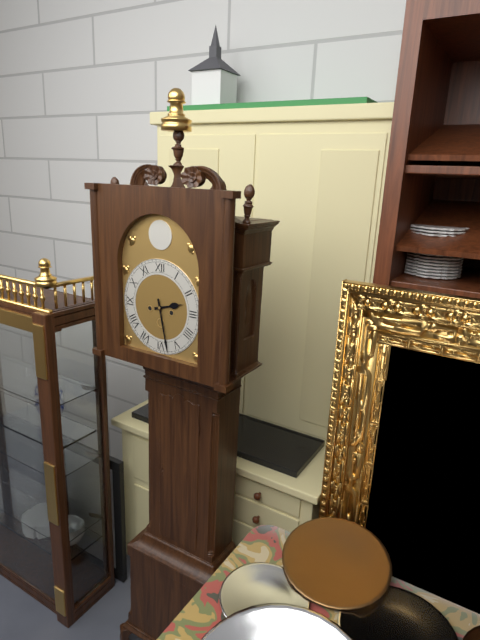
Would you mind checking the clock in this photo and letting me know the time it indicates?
2:28
